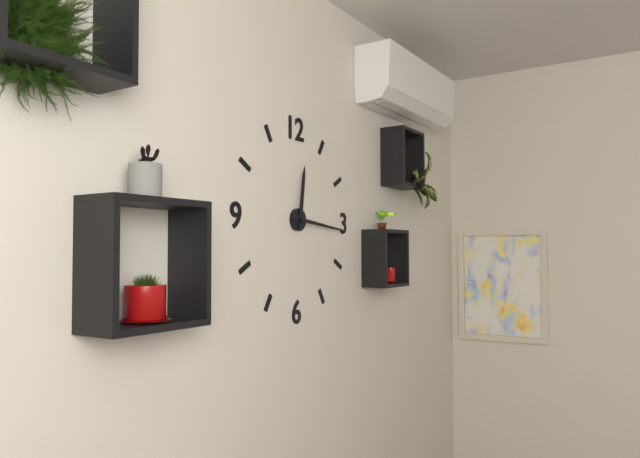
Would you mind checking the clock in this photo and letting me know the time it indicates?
12:16
